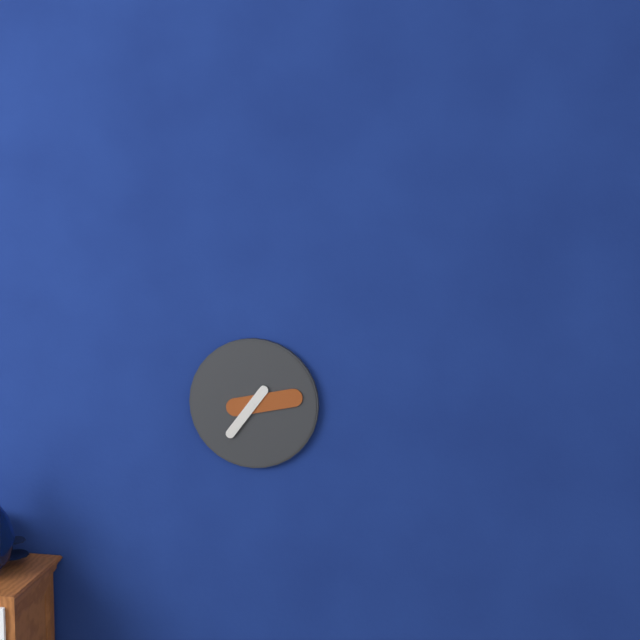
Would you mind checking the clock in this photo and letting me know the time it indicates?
7:13
